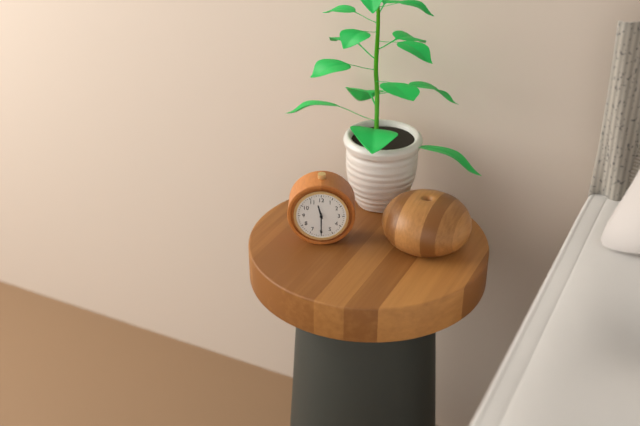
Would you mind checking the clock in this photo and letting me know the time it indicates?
11:30
